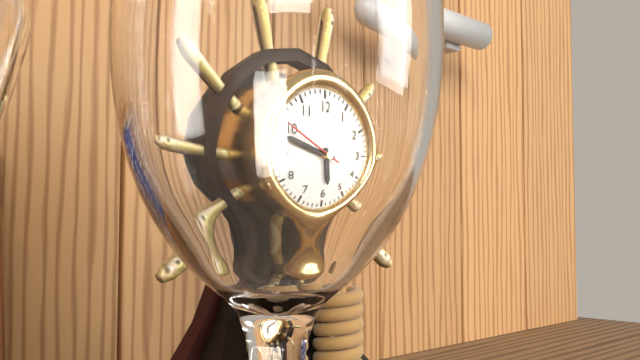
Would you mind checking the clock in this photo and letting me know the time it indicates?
5:48:50
